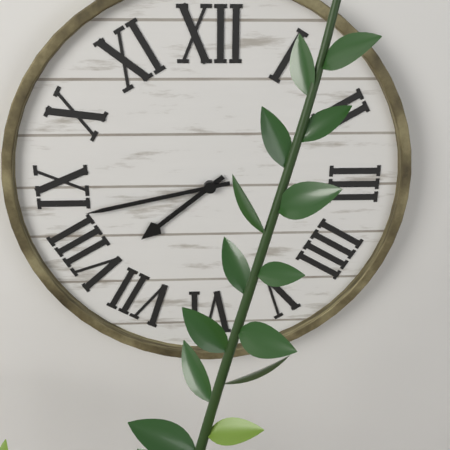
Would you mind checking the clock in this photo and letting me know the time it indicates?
7:43
